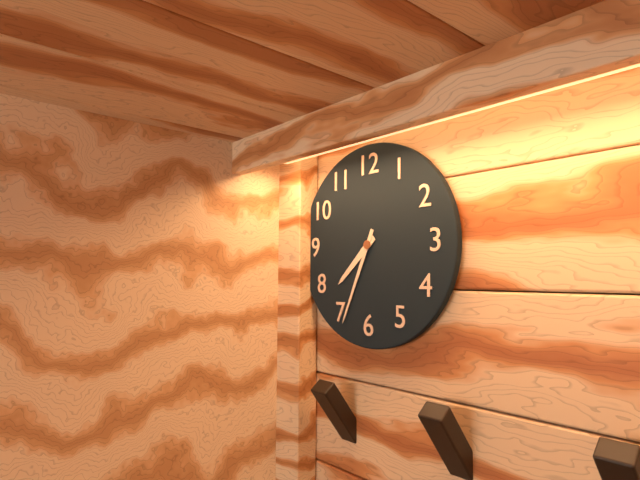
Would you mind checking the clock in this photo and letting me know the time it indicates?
7:34
